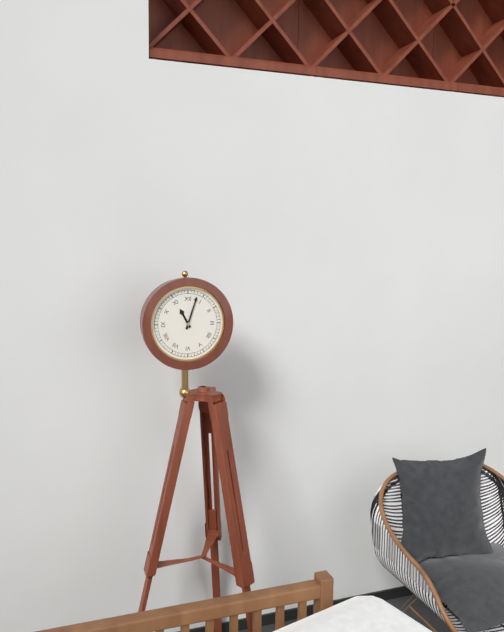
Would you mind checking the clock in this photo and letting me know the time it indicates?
11:03
